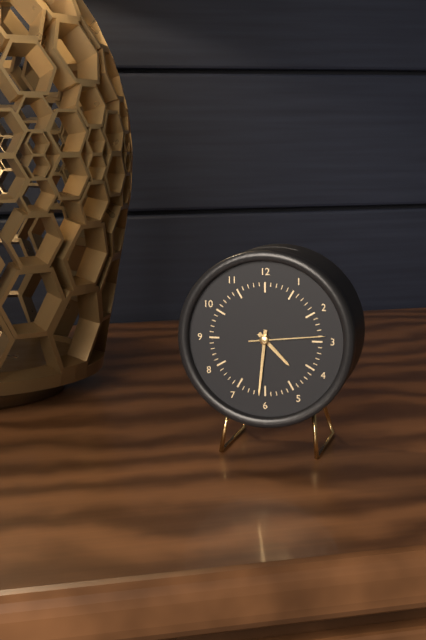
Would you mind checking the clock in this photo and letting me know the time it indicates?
4:31:14
